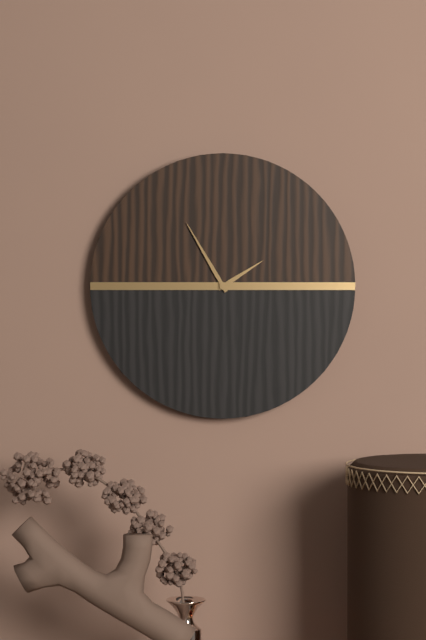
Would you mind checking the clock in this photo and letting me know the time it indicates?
1:55
